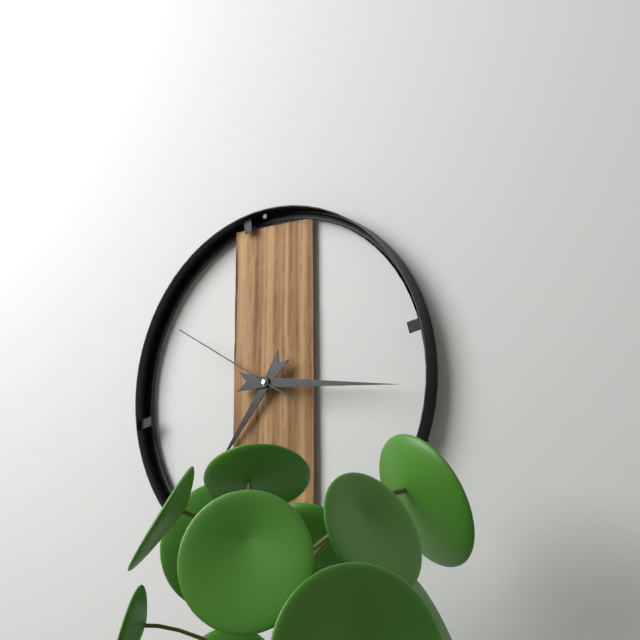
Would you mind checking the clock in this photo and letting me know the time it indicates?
7:16:50
